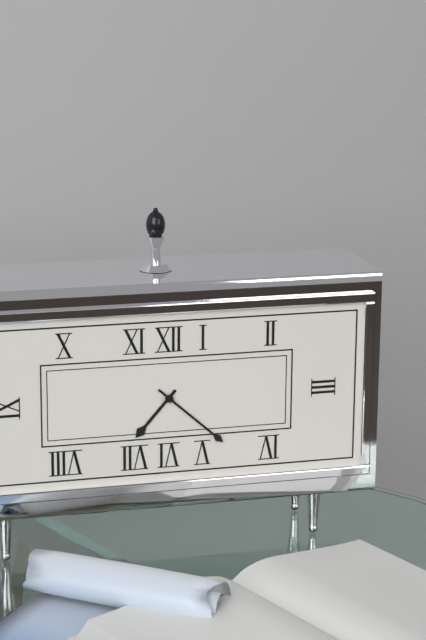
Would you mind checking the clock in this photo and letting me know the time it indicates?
7:22
